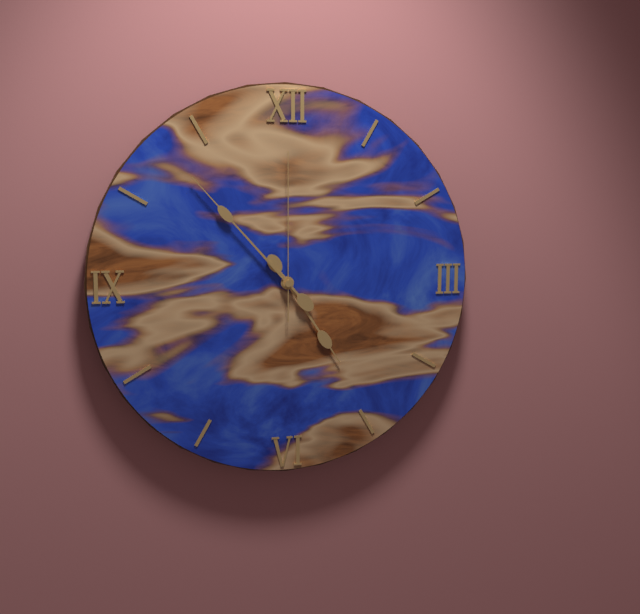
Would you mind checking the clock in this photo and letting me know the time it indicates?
4:53:00
